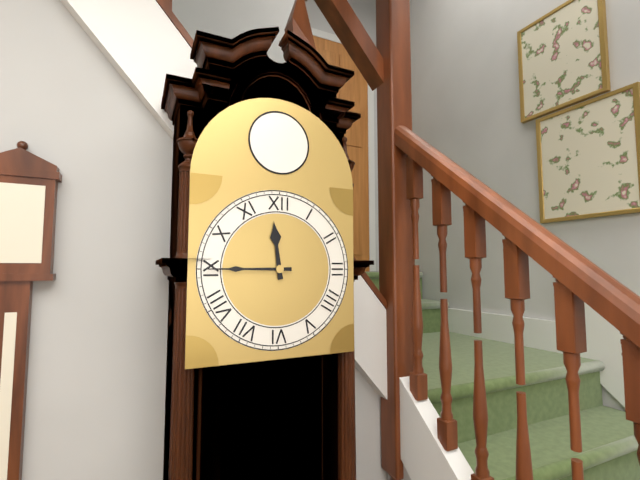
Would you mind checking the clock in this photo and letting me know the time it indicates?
11:45
